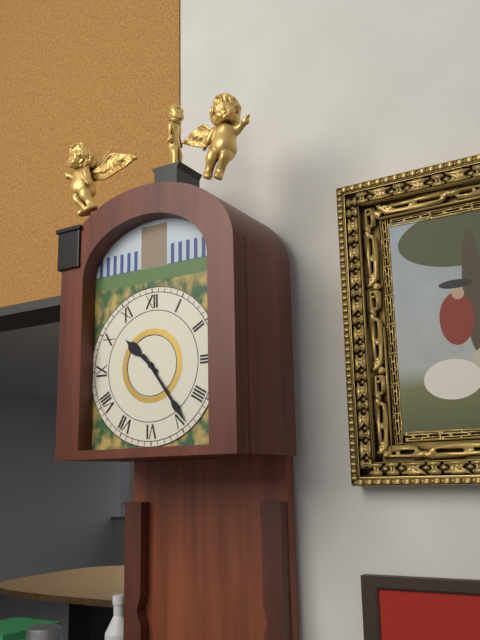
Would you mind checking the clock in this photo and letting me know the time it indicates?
10:24
